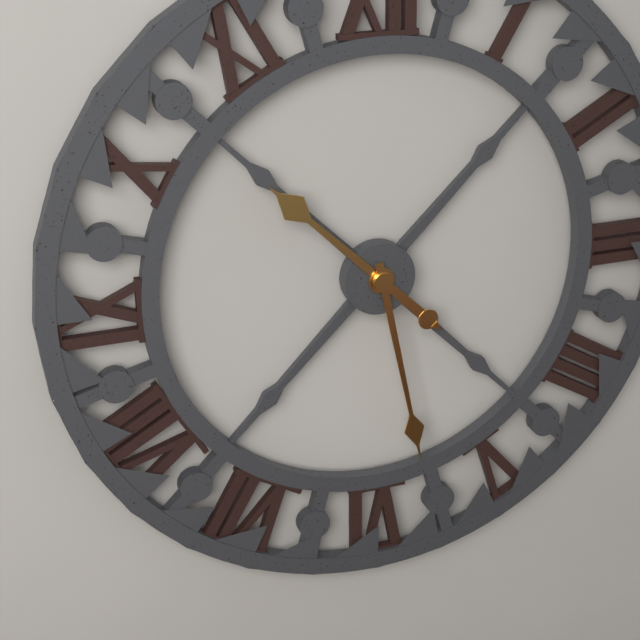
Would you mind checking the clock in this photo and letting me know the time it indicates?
10:28
